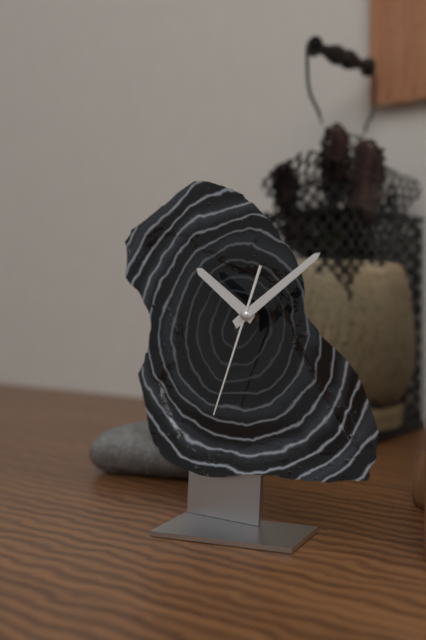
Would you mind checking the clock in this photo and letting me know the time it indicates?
10:09:33
